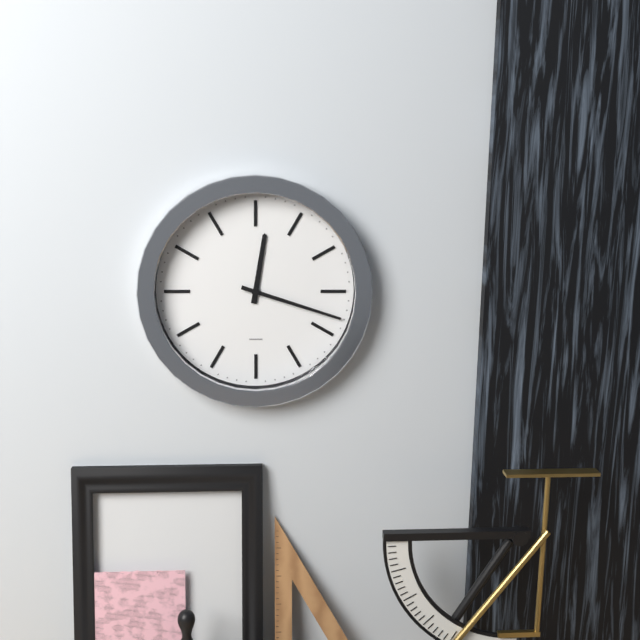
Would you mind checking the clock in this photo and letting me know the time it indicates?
12:18
